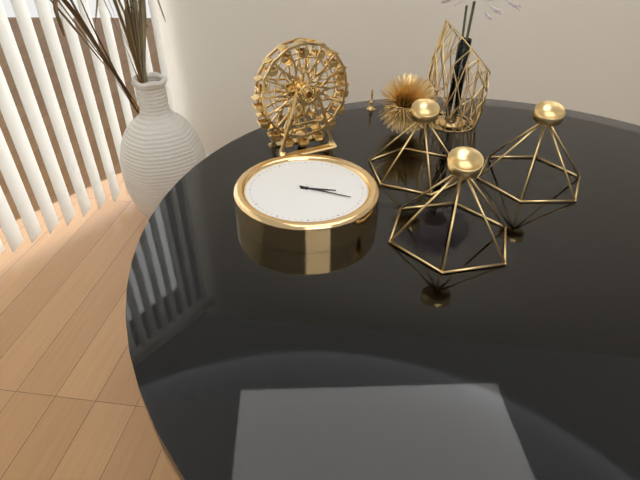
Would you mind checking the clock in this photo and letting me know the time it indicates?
3:19
